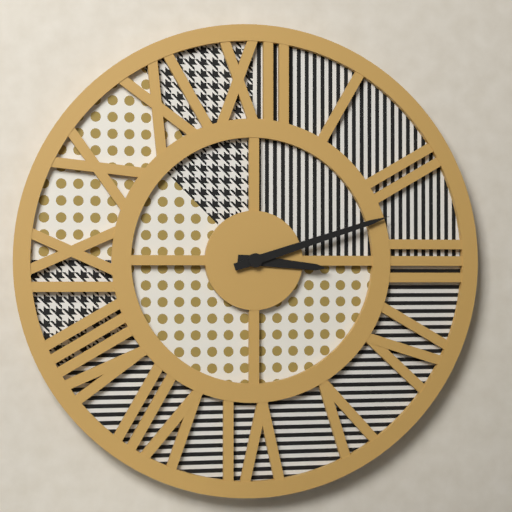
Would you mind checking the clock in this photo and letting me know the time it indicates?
3:12
